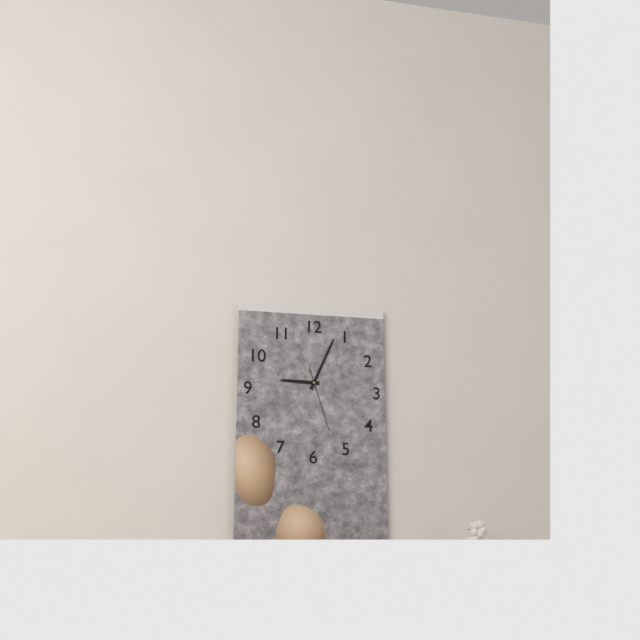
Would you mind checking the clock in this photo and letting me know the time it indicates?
9:04:27
